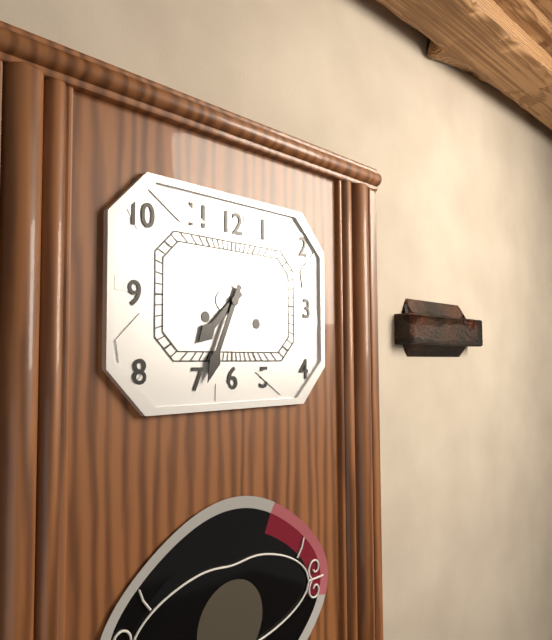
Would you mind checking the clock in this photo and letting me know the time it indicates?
7:34
